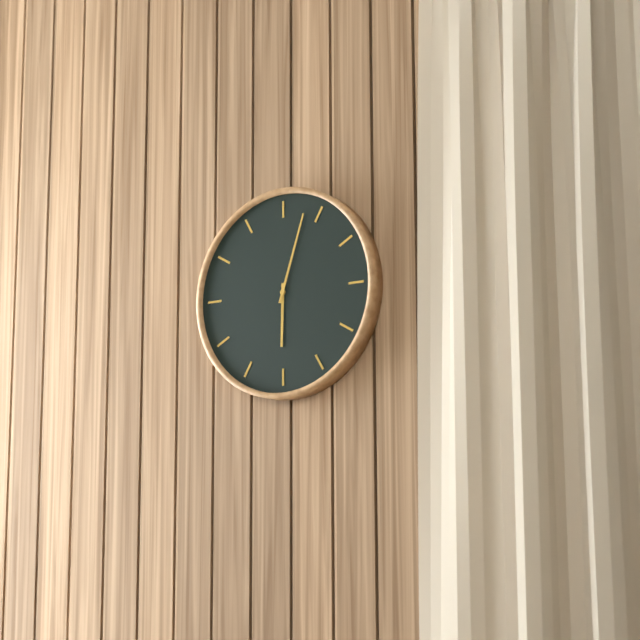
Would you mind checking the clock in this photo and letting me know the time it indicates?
6:03
